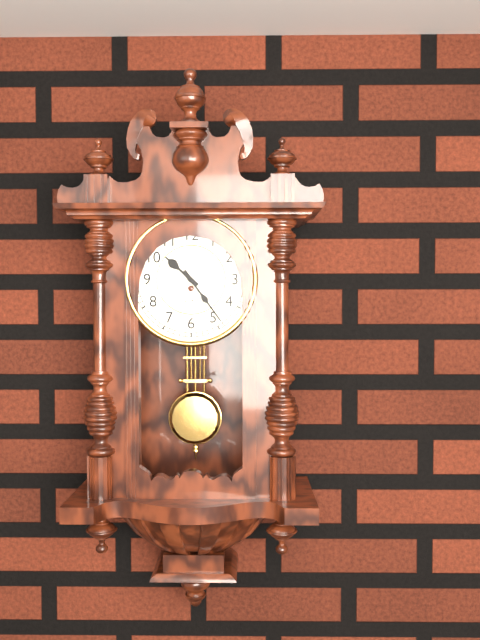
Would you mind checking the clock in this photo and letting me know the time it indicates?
10:24
